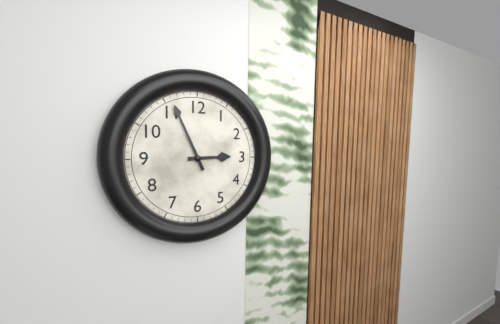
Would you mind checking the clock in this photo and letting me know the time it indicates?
2:56
